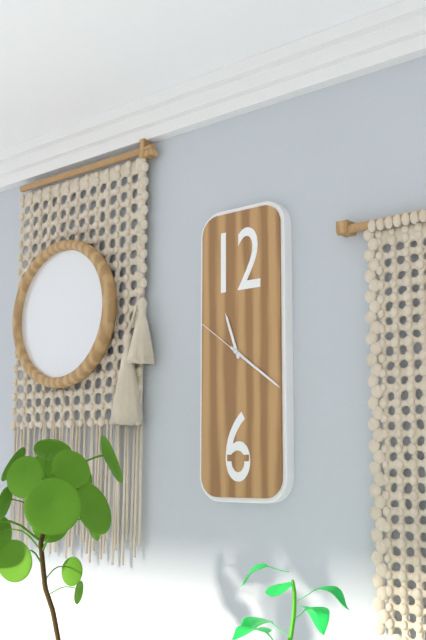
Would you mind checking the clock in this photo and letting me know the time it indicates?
11:21:51
